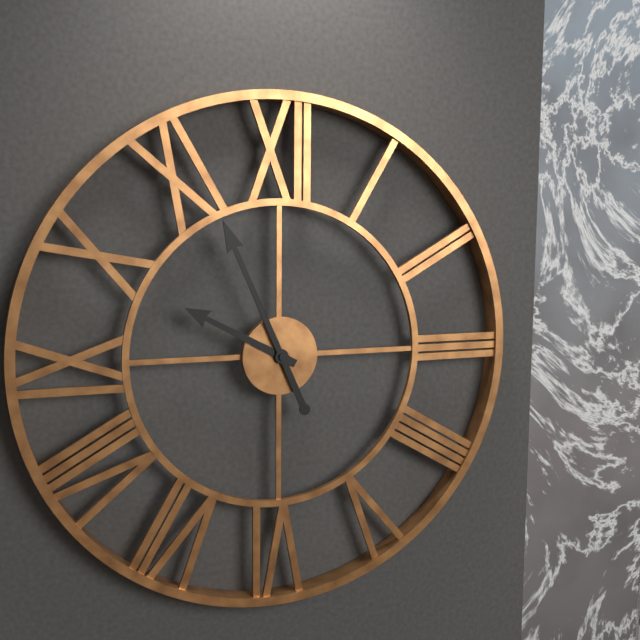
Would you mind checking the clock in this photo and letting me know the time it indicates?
9:56
